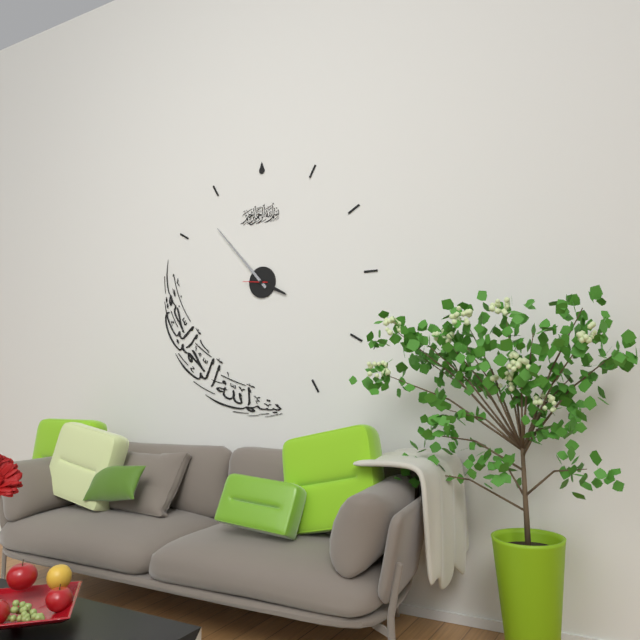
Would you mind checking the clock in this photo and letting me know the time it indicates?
3:53
